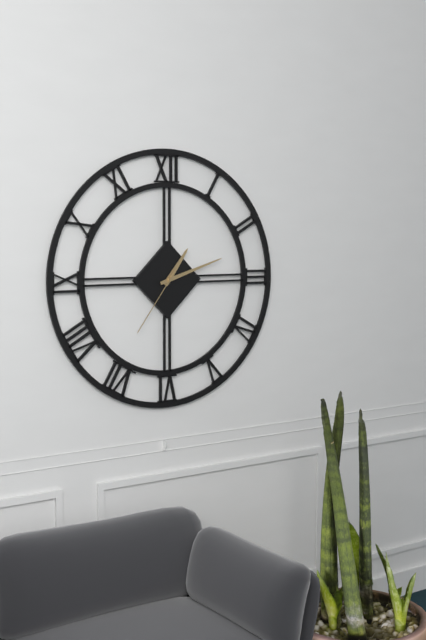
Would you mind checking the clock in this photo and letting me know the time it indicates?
1:12:36
